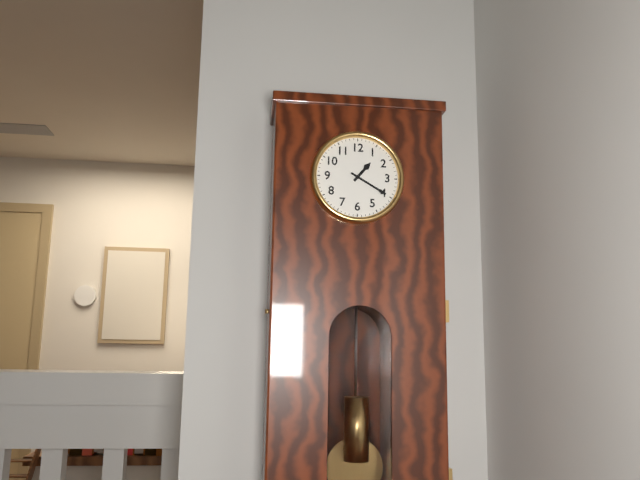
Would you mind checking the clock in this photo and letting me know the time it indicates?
1:20
